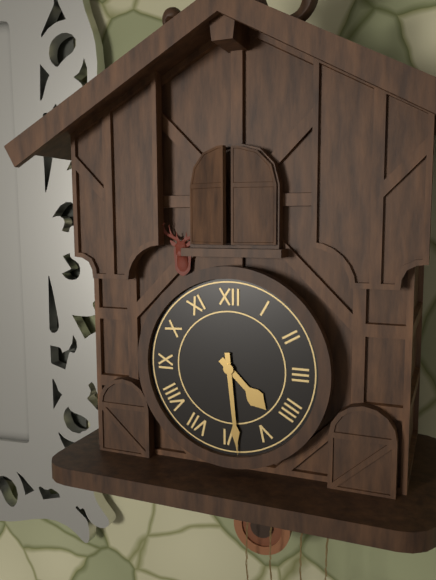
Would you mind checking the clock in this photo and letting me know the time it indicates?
4:29
